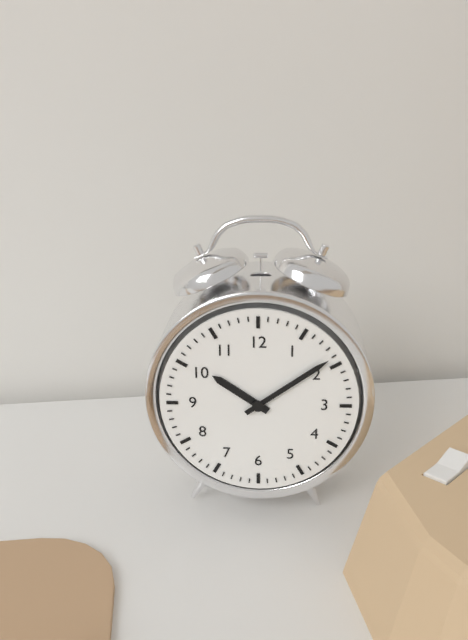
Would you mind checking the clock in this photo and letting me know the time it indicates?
10:09
